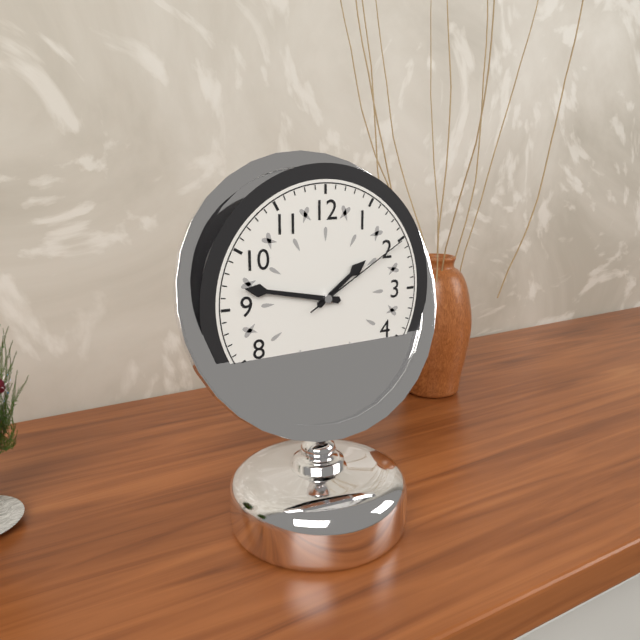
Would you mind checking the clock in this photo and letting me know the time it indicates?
1:47:10
